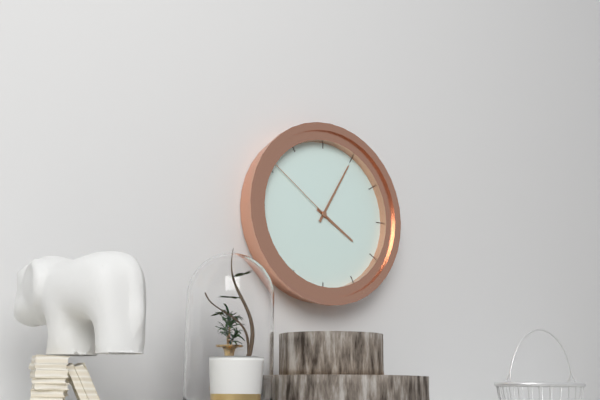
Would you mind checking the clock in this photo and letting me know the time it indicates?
4:05:51
